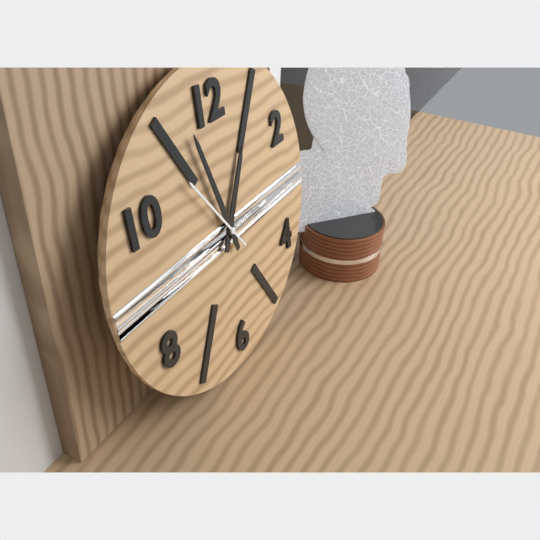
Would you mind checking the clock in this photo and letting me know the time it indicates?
12:57:54
